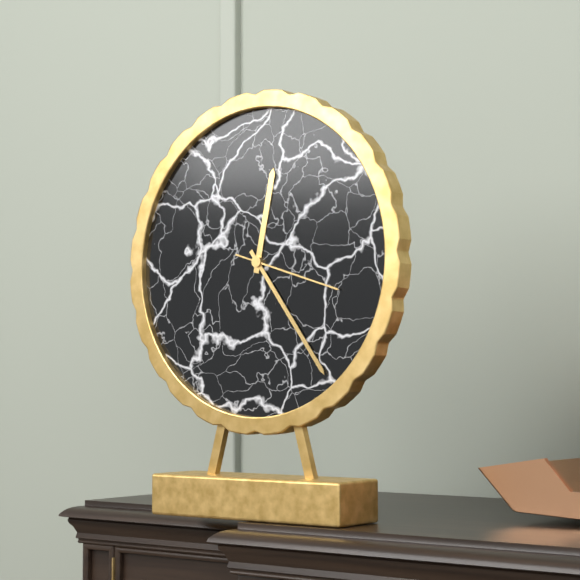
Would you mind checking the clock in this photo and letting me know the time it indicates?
12:24:18
